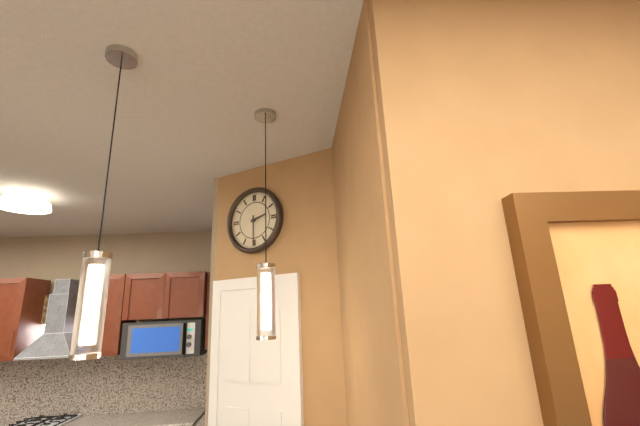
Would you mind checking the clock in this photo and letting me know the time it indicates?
2:30
